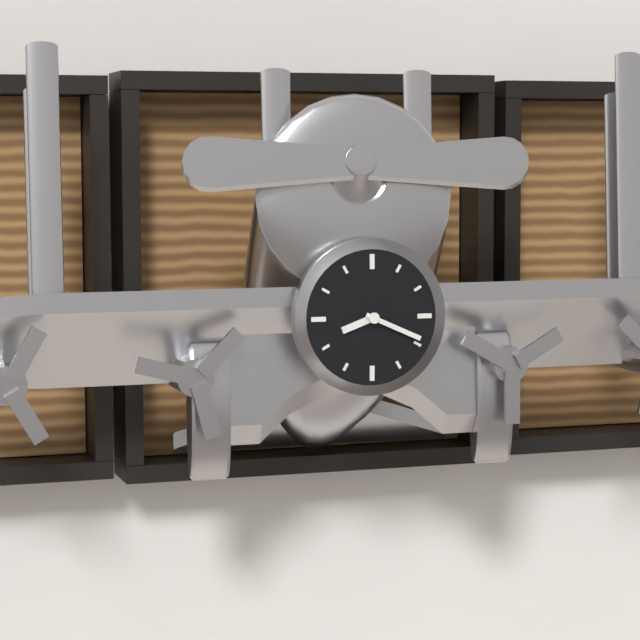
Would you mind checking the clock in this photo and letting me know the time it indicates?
8:19
